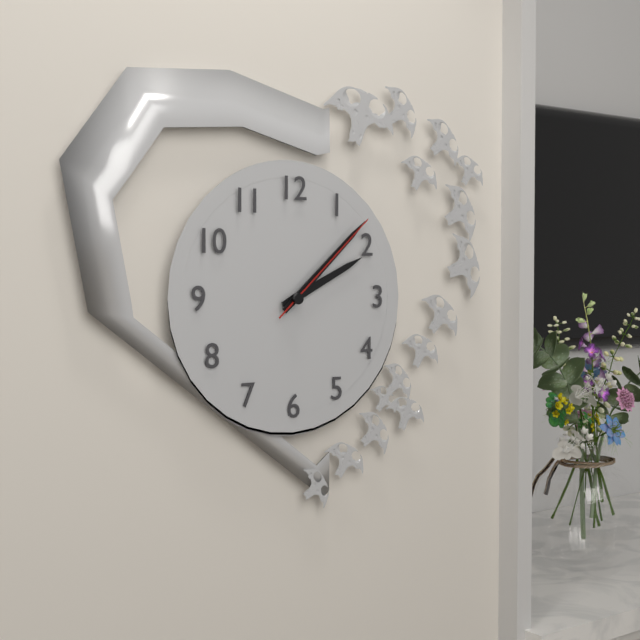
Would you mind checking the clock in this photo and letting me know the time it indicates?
2:08:08
